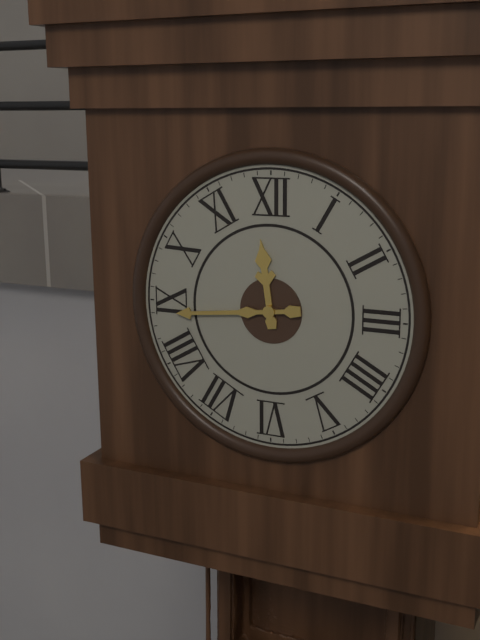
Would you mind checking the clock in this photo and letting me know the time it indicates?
11:44
